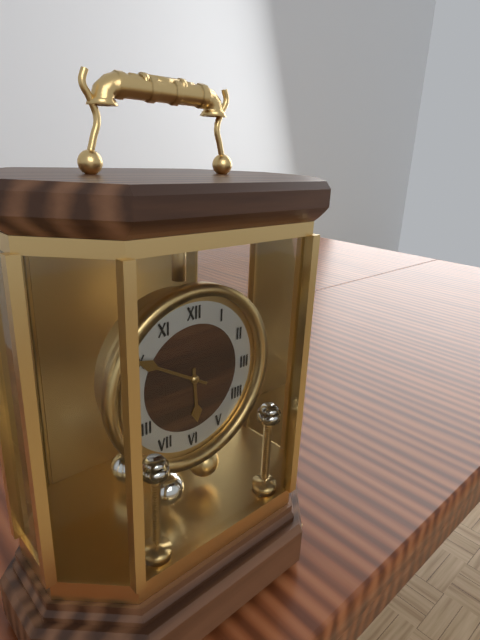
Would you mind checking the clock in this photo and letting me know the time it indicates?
5:50
